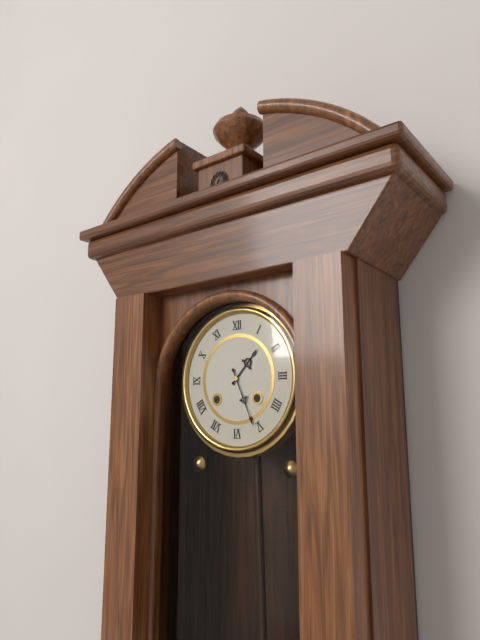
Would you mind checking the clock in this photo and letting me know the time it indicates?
1:26
